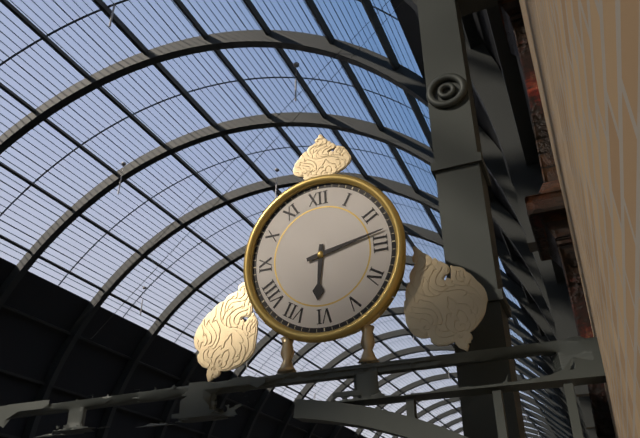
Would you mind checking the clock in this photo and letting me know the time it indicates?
6:13
